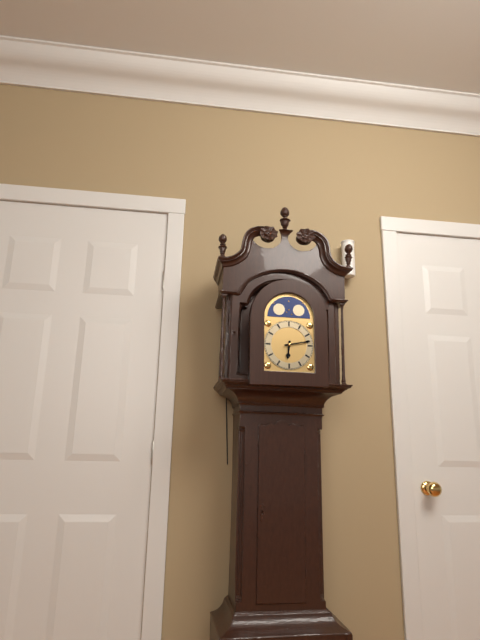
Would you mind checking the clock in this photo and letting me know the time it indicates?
6:13
